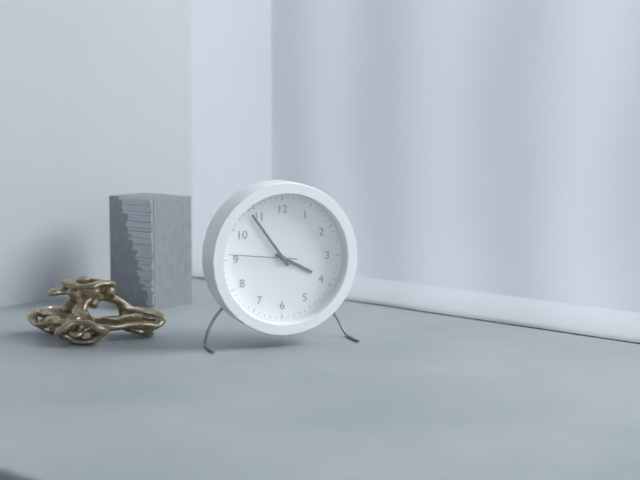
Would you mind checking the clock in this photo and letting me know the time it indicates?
3:54:46
